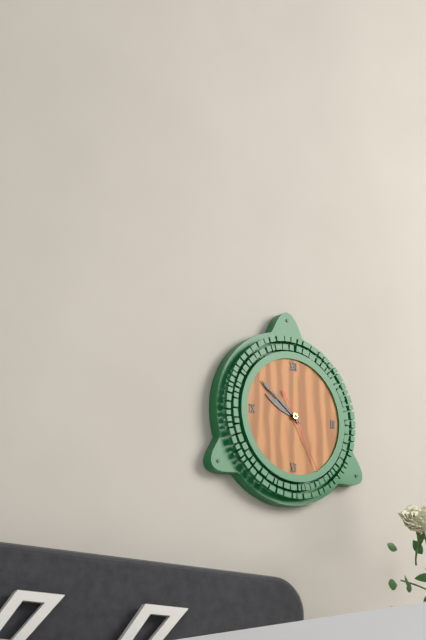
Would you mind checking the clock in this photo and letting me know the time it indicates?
9:51:25
